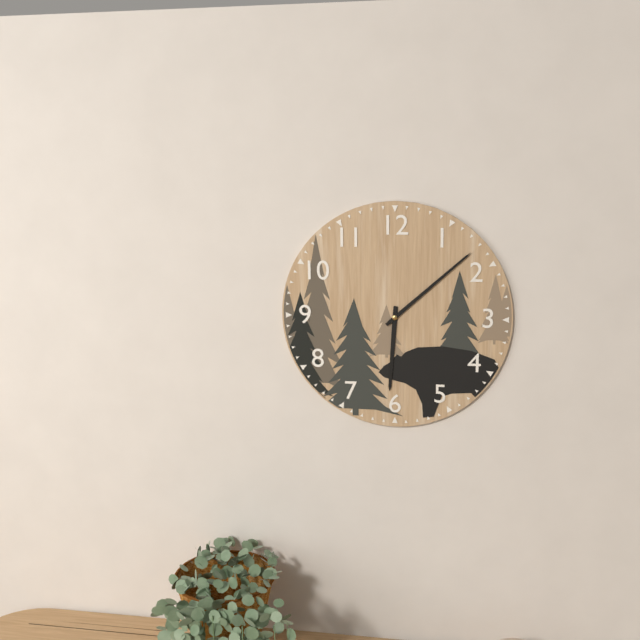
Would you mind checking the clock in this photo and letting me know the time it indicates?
6:08
